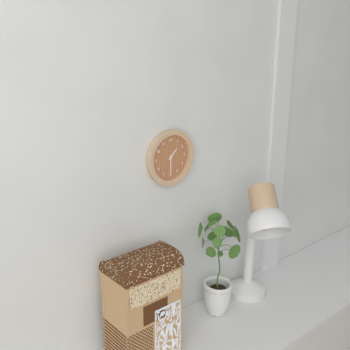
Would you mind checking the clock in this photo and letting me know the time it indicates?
1:30
